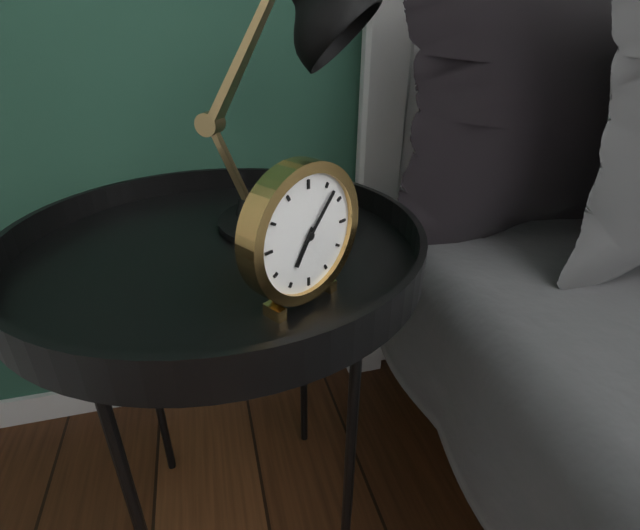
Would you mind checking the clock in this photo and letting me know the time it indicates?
7:07
